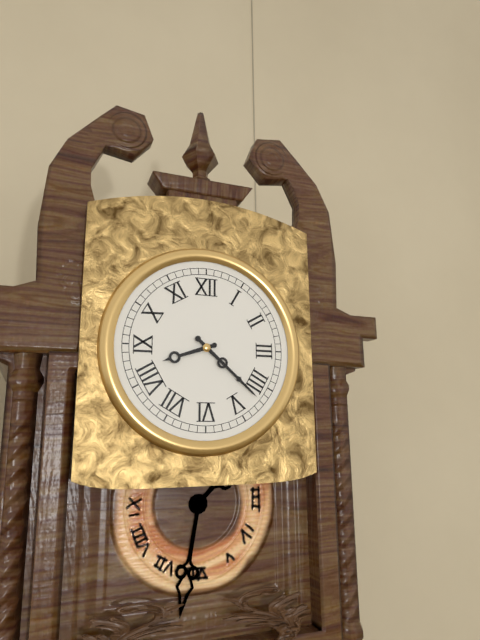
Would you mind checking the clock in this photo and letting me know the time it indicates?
8:22
